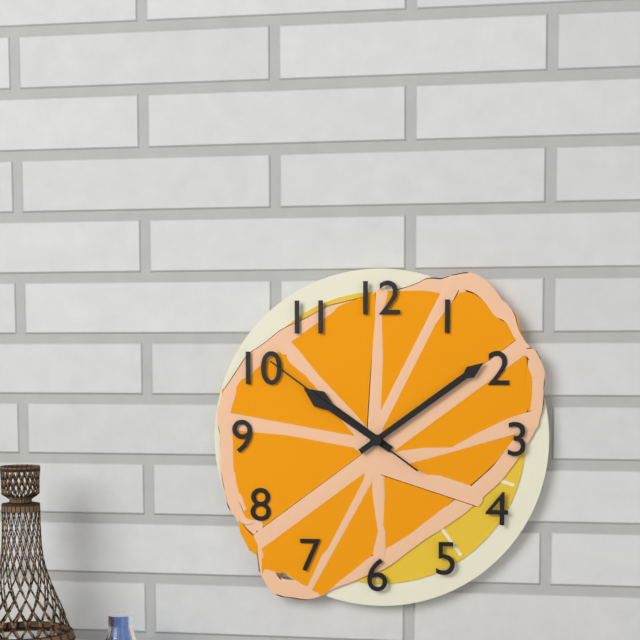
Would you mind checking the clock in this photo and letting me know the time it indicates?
10:09:51
